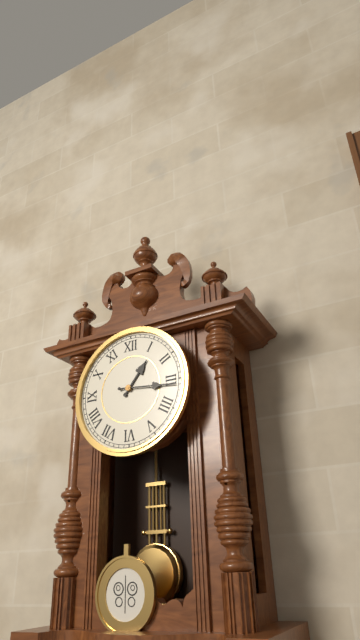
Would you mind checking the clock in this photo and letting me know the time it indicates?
1:16
